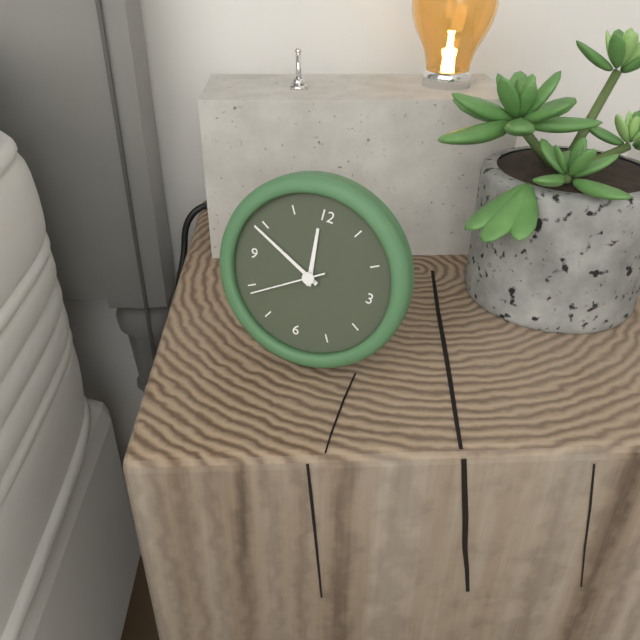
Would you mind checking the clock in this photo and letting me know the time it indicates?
11:49:39
